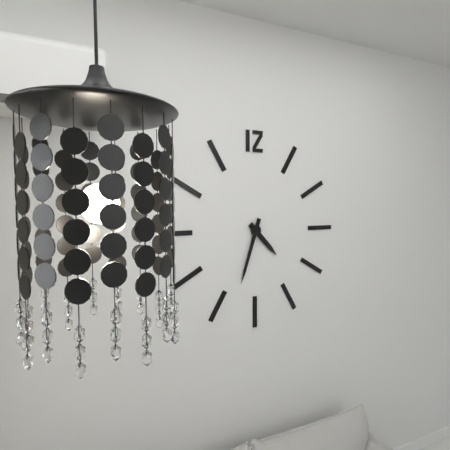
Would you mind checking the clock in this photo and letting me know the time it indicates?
4:33
